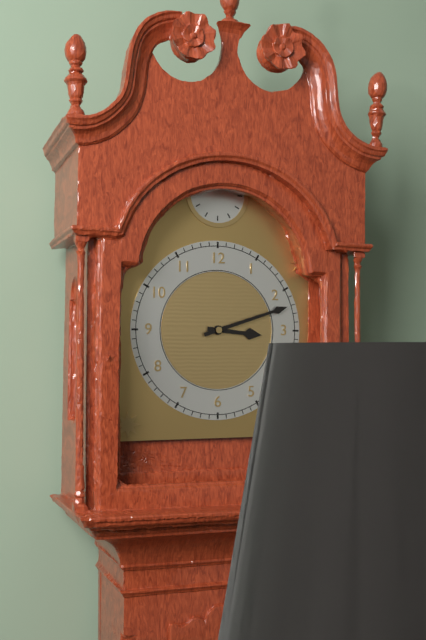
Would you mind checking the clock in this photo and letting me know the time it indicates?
3:12
